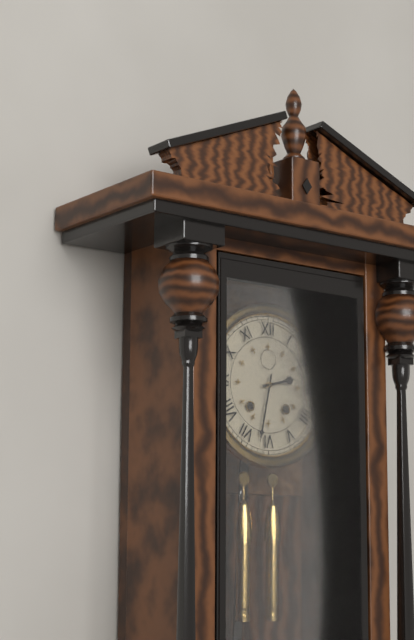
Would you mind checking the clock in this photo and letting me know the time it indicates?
2:32
